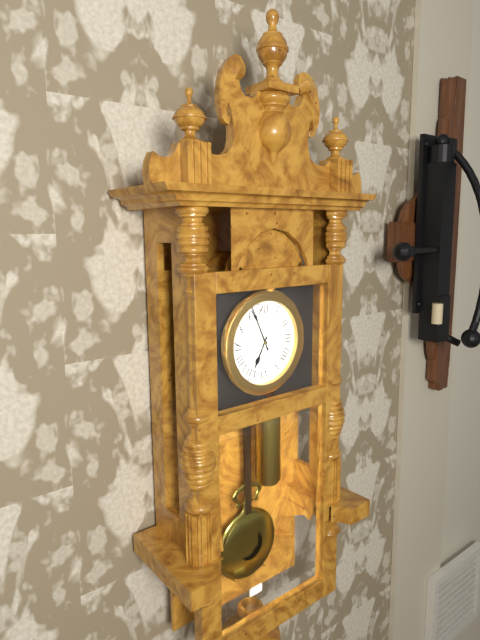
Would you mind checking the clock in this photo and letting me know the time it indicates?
6:56
